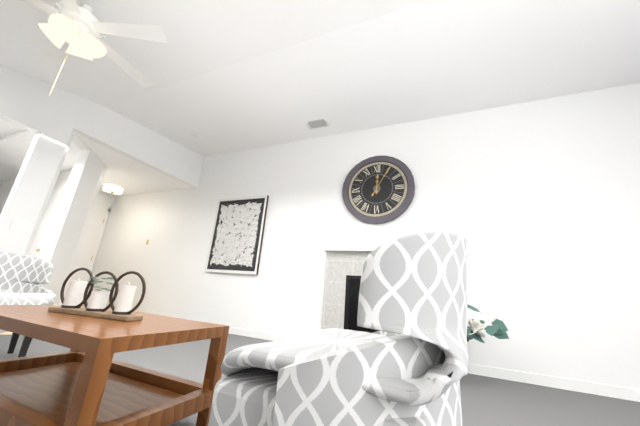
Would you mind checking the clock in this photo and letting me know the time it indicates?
12:05
